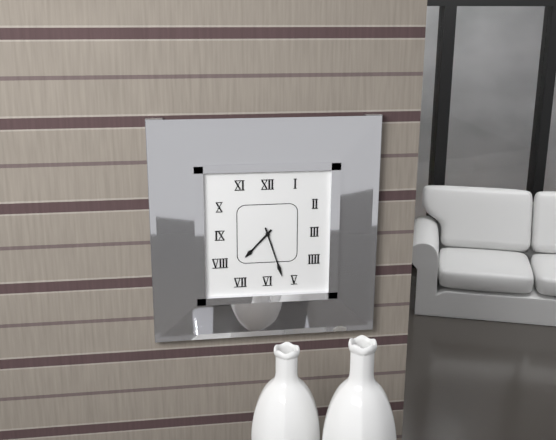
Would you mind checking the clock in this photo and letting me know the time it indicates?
7:27
